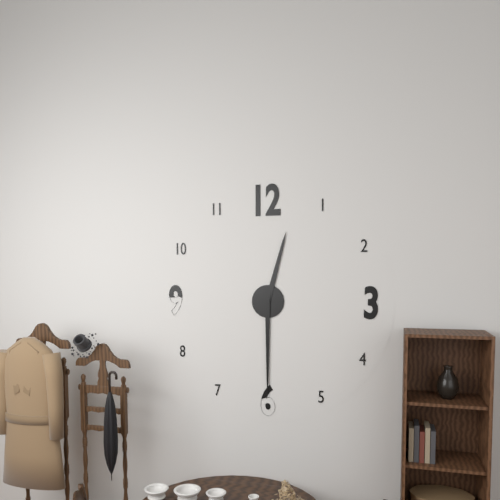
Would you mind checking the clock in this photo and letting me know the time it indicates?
12:30
